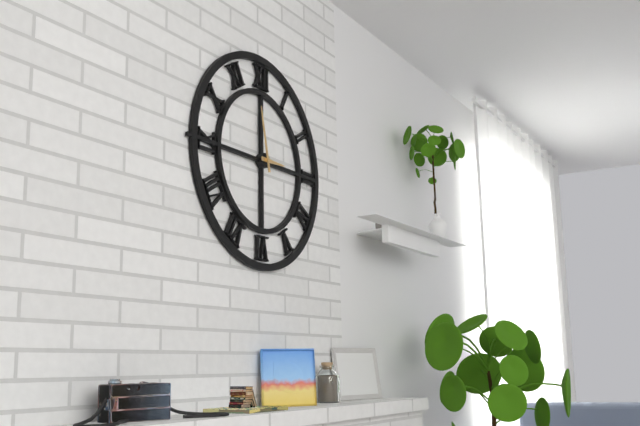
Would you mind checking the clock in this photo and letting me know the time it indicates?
2:58
